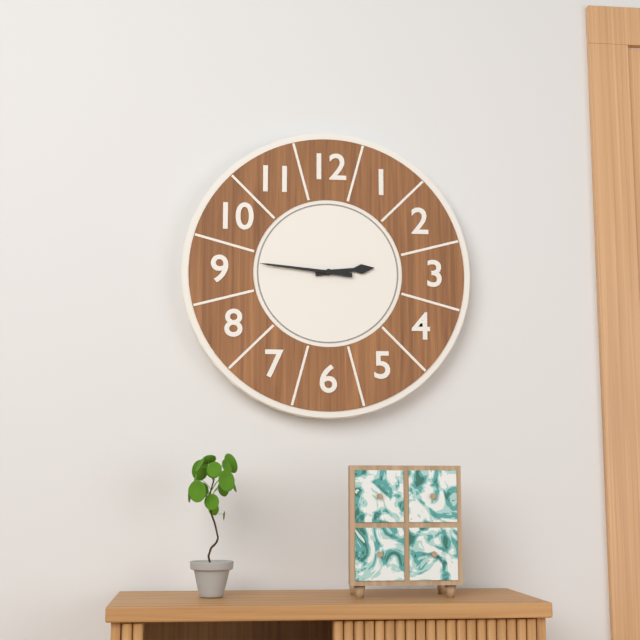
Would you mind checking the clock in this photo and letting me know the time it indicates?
2:46
